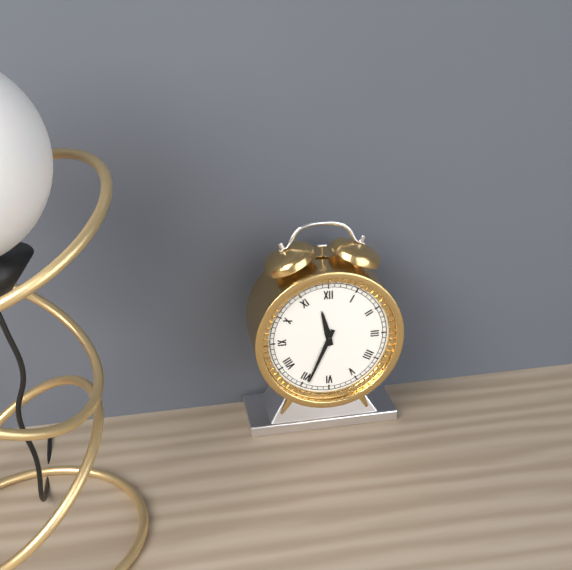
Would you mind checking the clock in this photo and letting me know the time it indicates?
11:34
